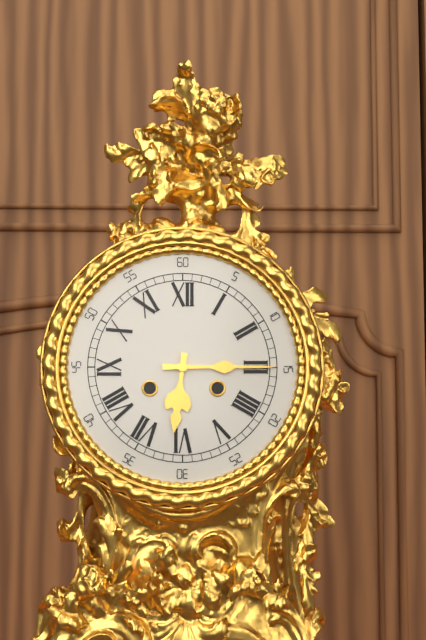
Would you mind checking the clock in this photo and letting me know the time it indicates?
6:15
